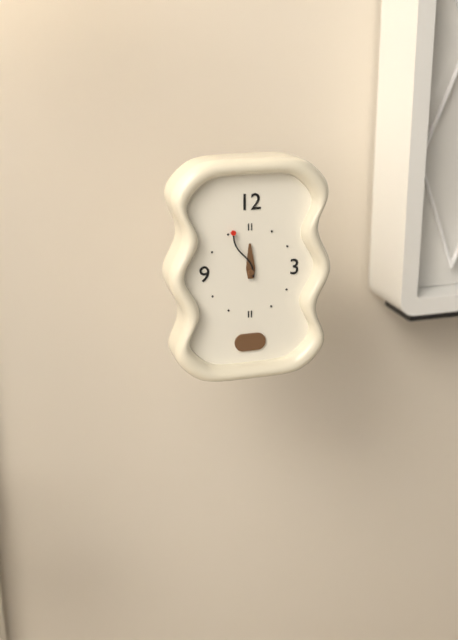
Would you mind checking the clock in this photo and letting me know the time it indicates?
11:56
